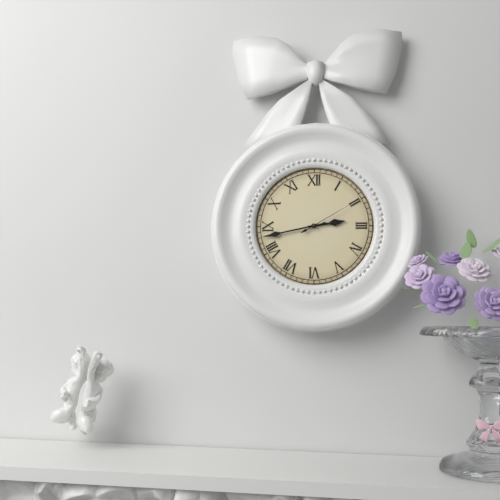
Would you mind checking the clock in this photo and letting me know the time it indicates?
2:43:10
